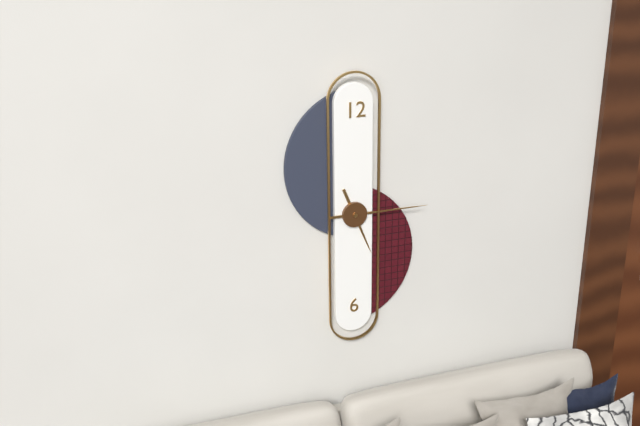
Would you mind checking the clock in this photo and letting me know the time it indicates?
5:15
